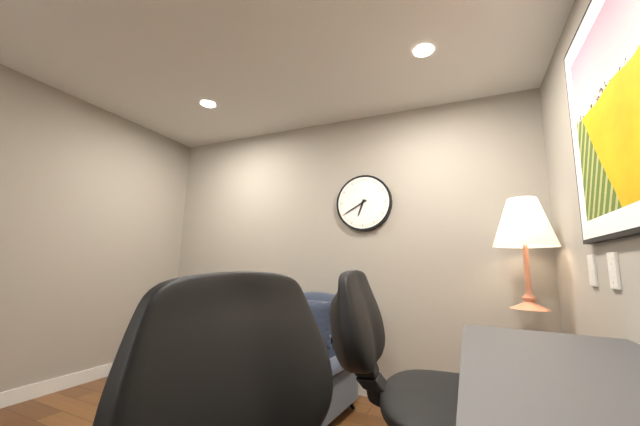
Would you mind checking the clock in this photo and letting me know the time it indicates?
6:40
